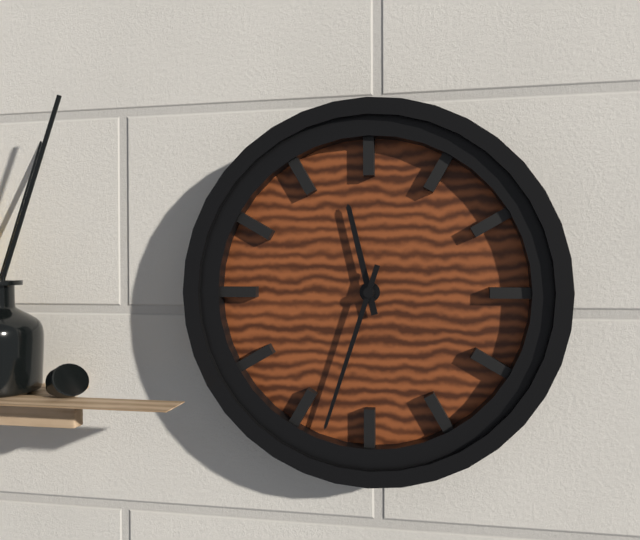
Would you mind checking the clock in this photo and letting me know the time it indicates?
11:33
